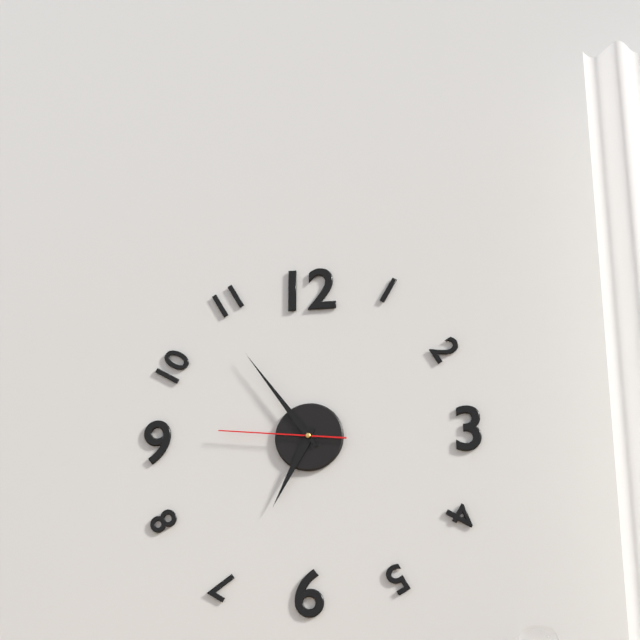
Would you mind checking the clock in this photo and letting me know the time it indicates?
6:54:46
